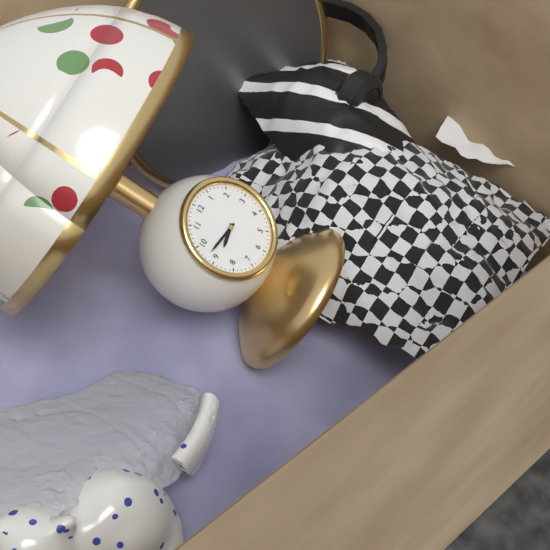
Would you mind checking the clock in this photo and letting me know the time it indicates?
8:47
